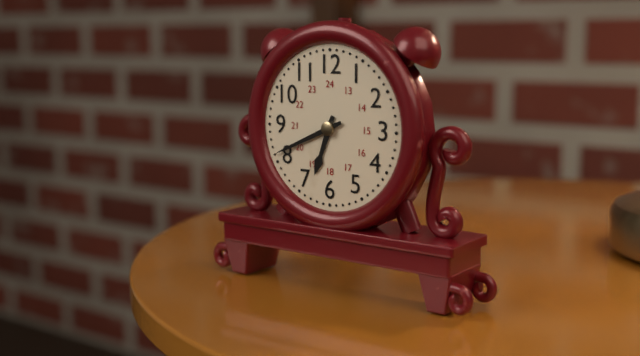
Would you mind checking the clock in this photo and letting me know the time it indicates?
6:41
